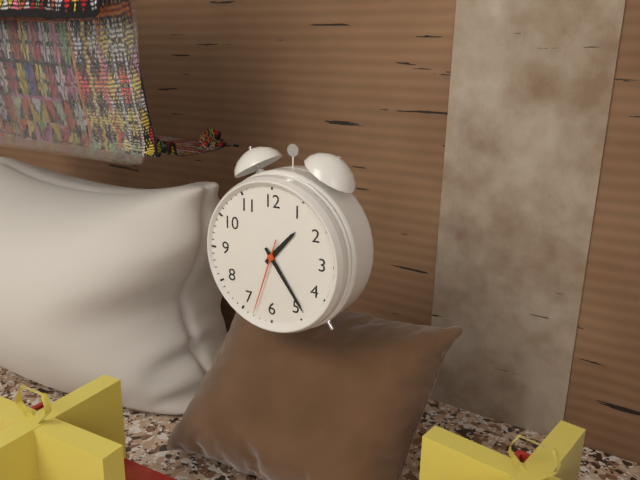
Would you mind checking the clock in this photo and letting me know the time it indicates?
1:24:33
